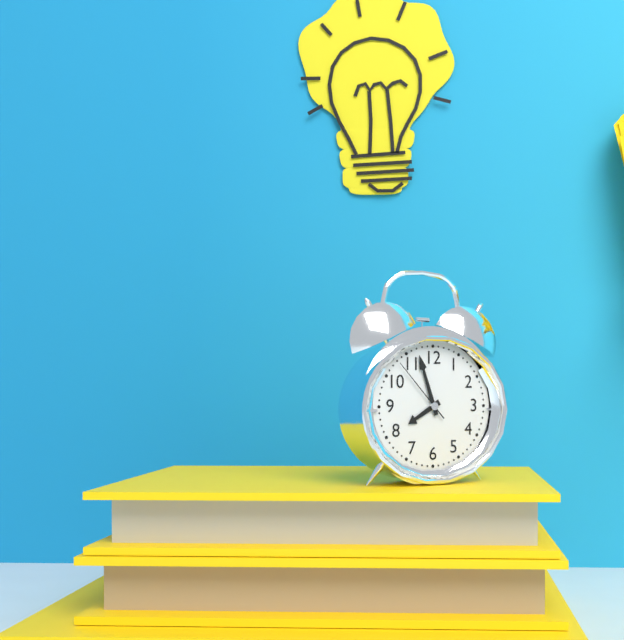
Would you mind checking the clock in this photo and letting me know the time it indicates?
7:57:53
